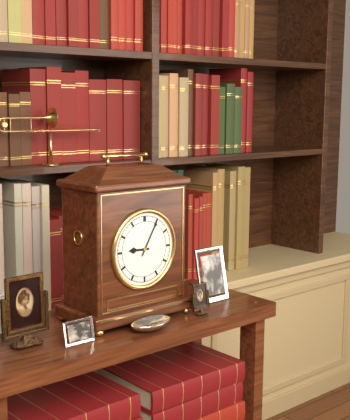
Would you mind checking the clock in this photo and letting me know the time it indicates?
9:05
